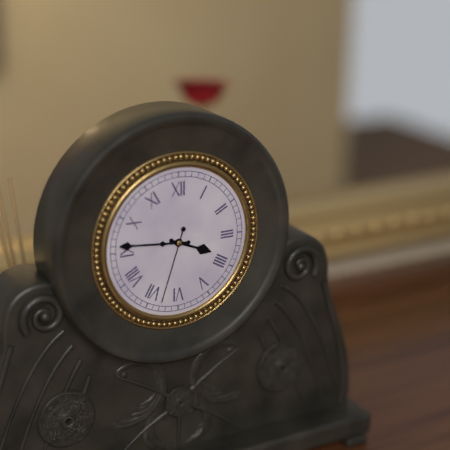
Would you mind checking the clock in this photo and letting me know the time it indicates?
3:46:33
